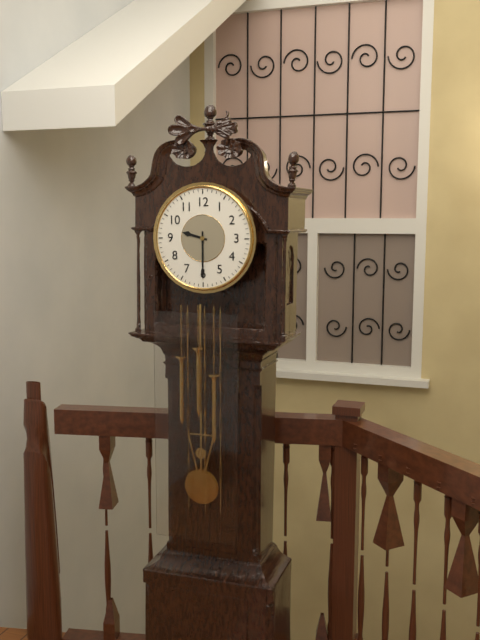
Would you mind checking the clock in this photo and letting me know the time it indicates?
9:30
